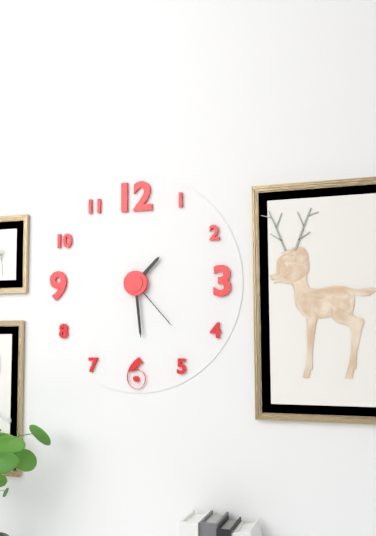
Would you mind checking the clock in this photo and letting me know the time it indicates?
1:29:23
